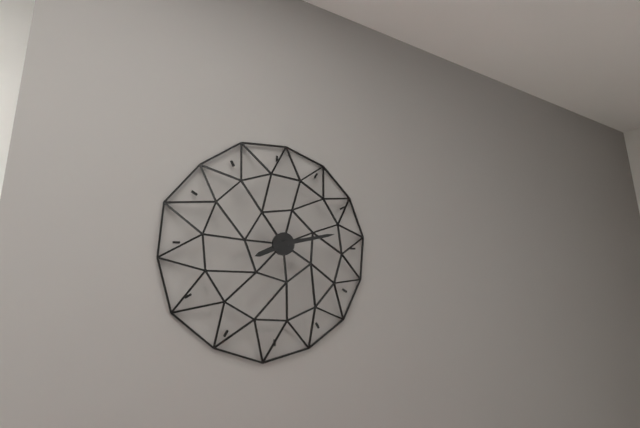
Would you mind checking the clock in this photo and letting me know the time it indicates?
8:13
